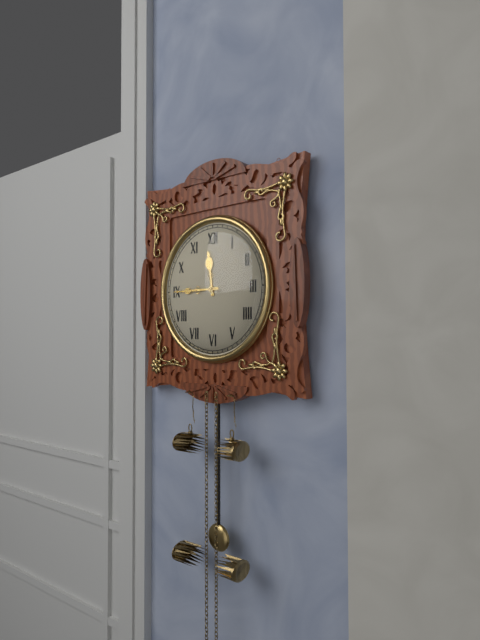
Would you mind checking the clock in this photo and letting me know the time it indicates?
11:45
